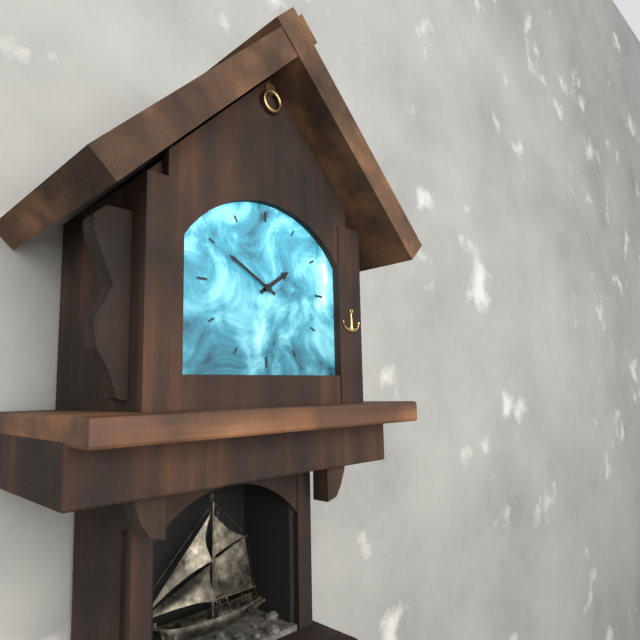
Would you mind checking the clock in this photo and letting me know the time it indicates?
1:50
